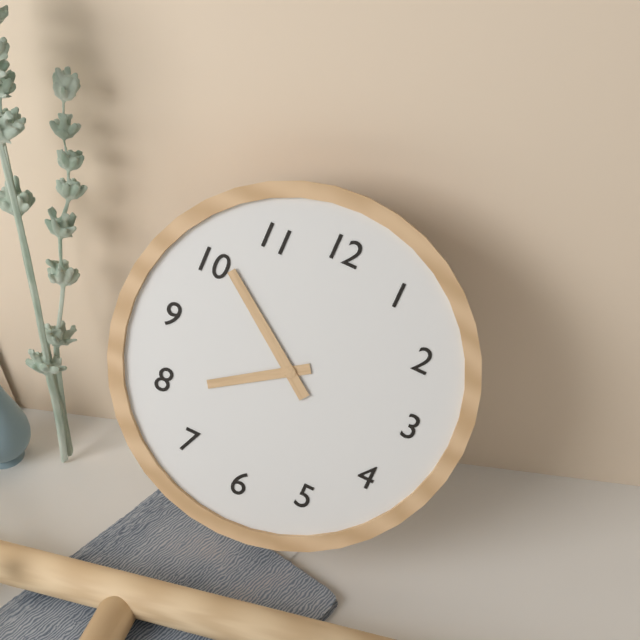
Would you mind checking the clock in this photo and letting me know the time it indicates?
7:51
